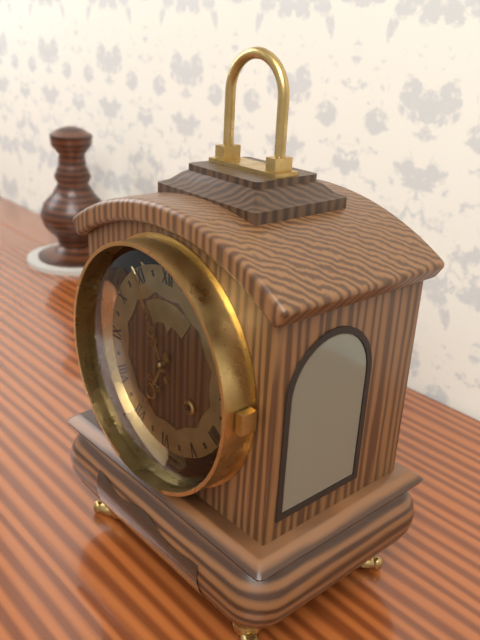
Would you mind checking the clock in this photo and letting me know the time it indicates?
6:55
